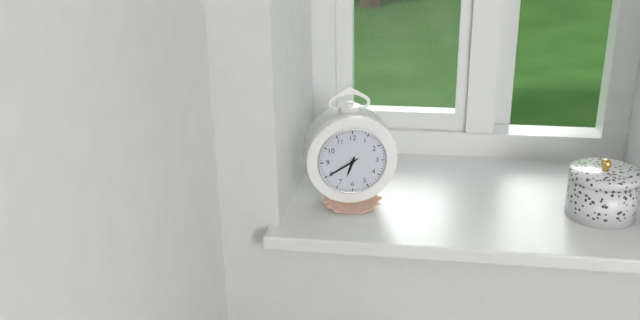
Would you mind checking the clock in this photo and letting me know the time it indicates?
6:40
